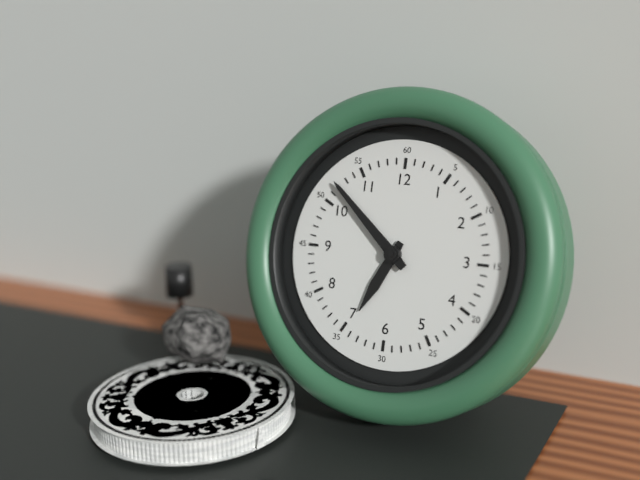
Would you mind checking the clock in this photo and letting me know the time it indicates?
6:52
